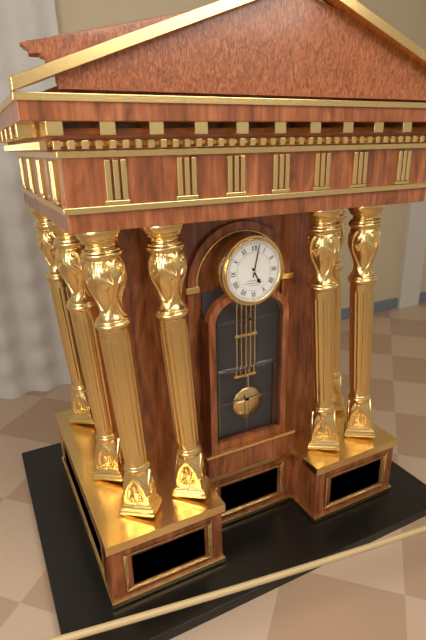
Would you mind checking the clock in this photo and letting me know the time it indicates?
5:02
